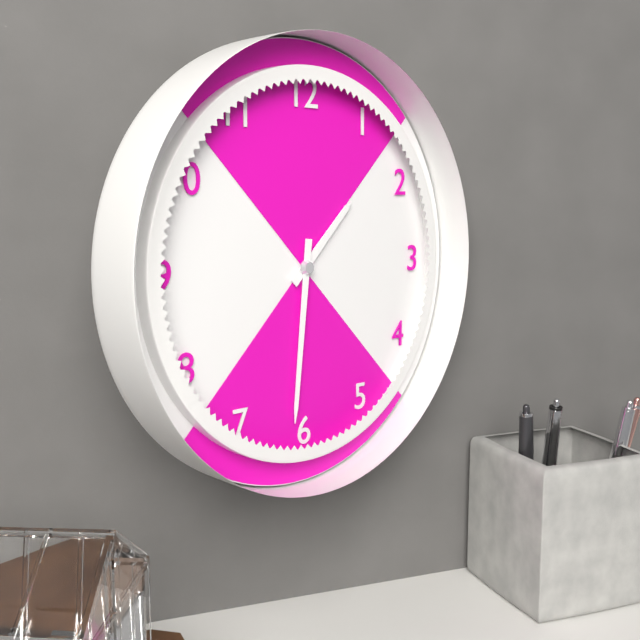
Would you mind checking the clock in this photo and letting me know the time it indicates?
1:31
